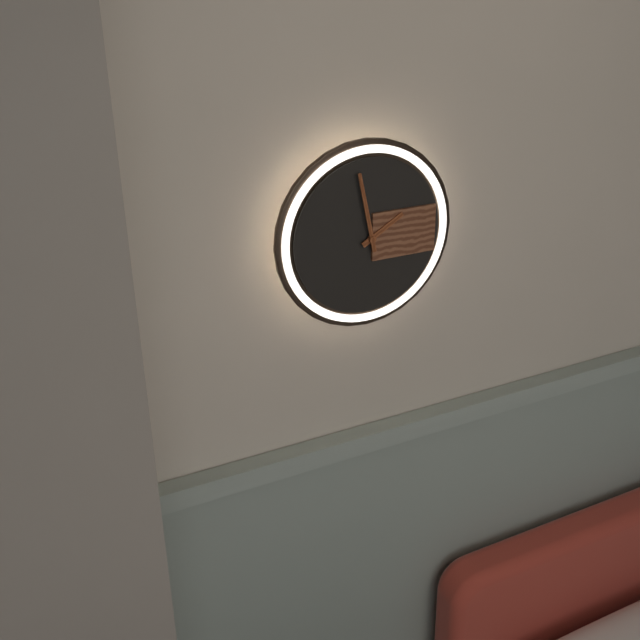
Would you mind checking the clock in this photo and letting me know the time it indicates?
1:58
